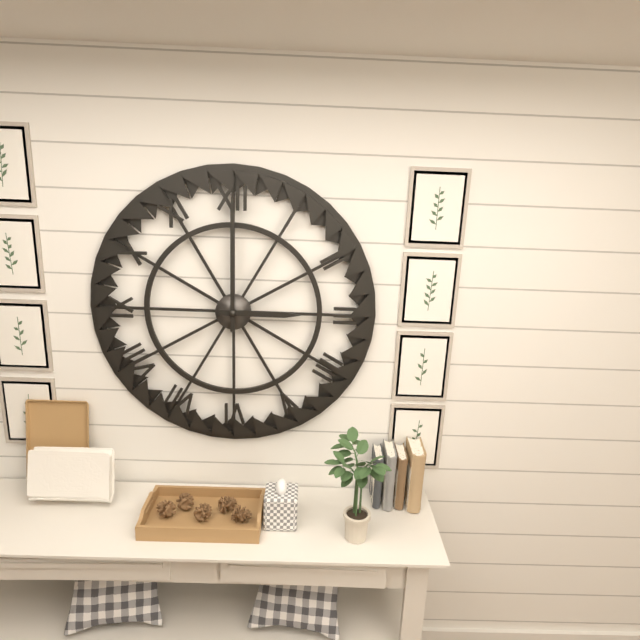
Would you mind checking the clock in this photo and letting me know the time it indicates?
3:00
